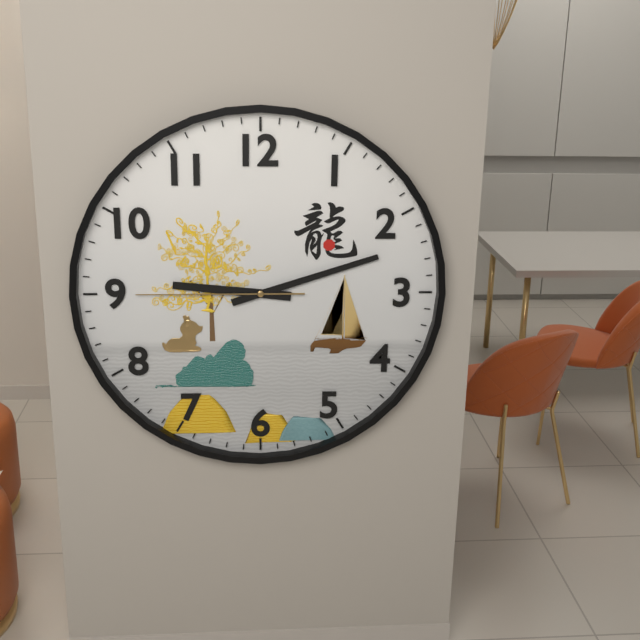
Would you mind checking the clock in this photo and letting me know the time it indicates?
9:12:45
